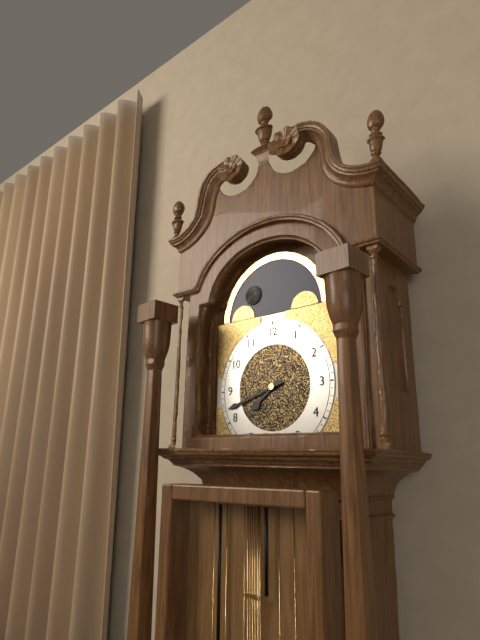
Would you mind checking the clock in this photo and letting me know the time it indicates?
7:42
